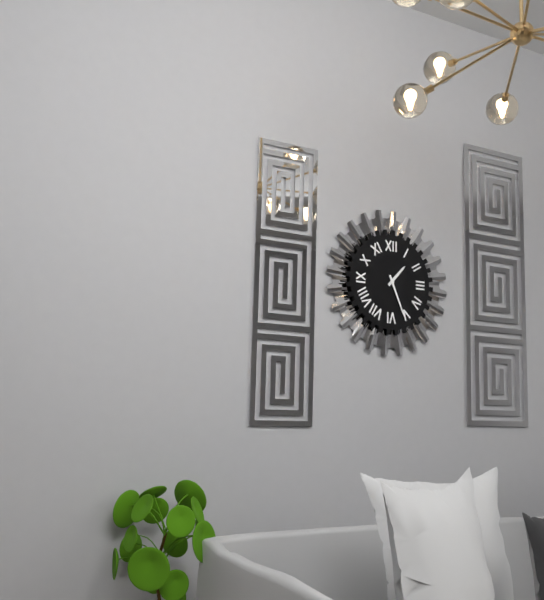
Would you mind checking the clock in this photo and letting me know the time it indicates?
1:26
